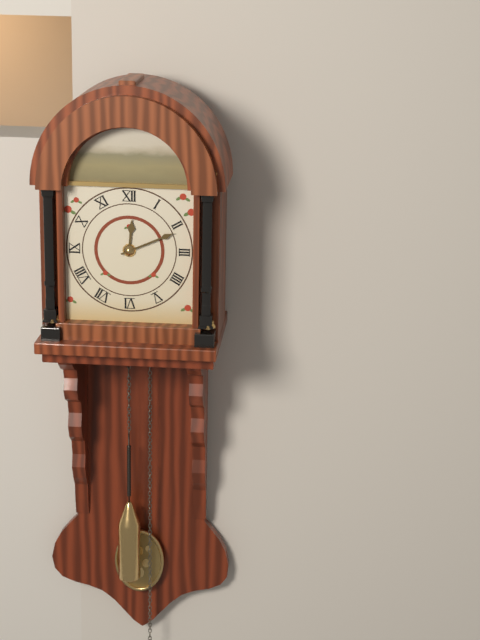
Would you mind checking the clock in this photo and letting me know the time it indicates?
12:11
